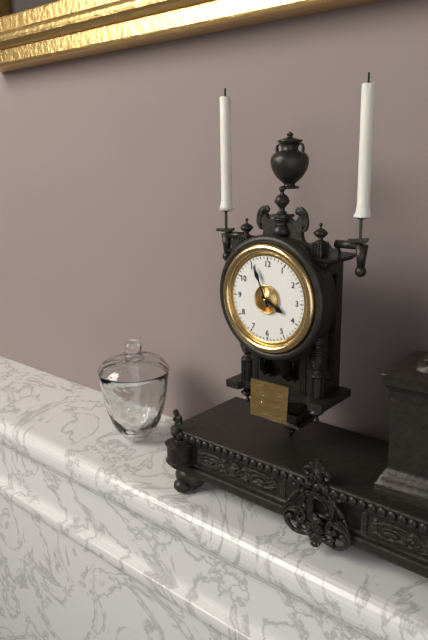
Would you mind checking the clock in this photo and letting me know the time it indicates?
3:56
